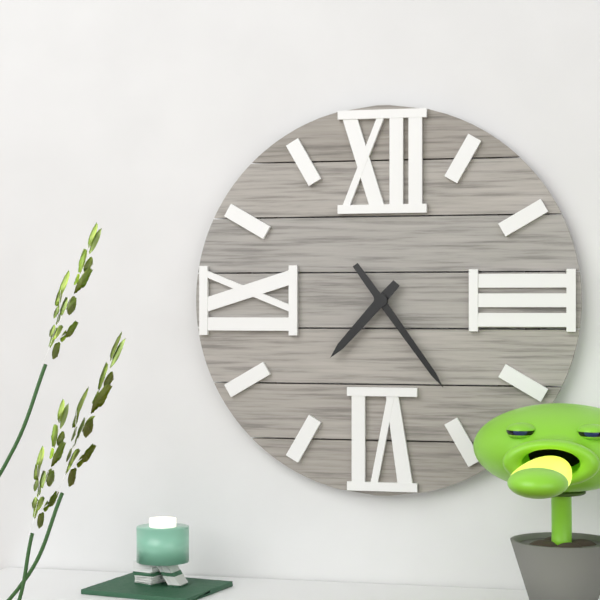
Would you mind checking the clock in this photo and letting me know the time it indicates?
7:24
